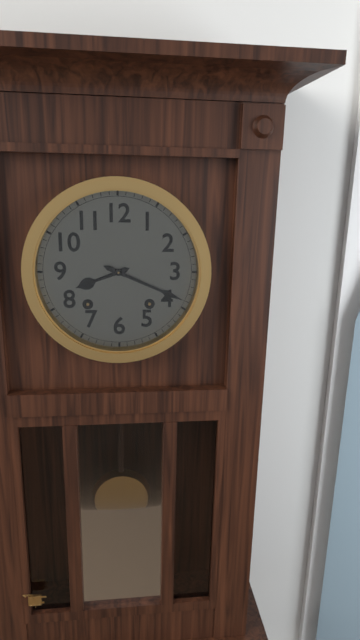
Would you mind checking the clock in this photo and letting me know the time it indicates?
8:19
